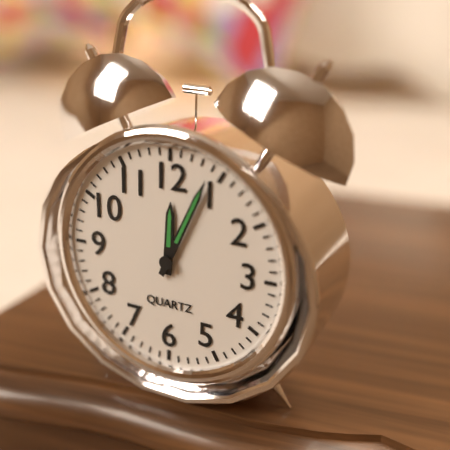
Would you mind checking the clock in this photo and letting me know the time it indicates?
12:04
